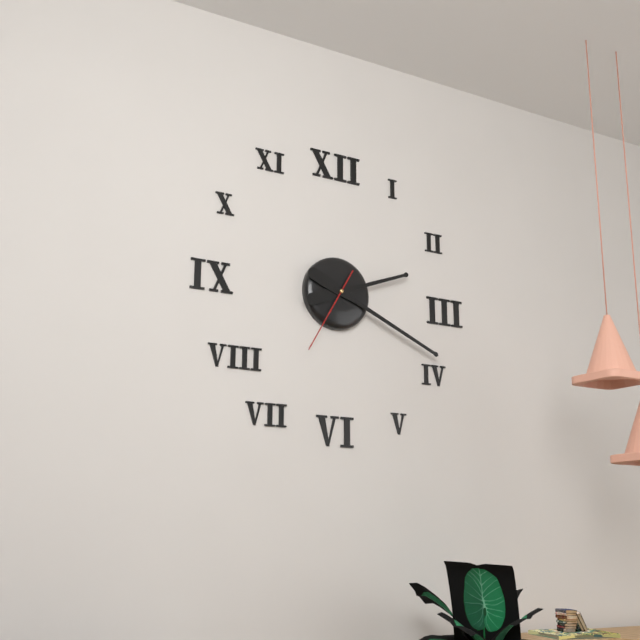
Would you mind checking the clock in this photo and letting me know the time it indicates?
2:19:35
